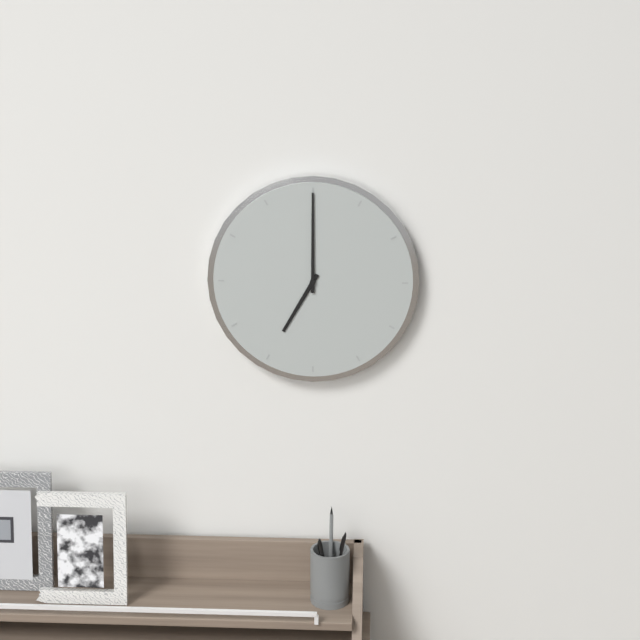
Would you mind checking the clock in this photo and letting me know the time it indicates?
7:00
